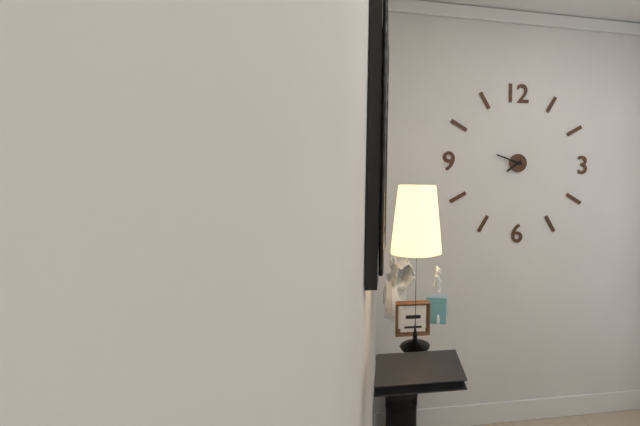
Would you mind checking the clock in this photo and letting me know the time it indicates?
7:48
